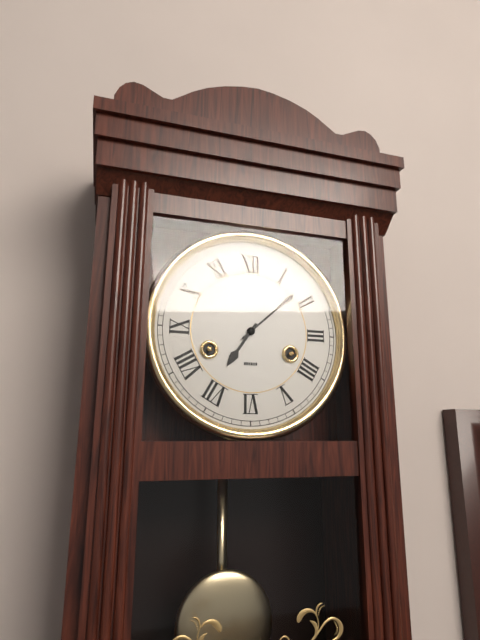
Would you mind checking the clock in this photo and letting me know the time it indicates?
7:08
